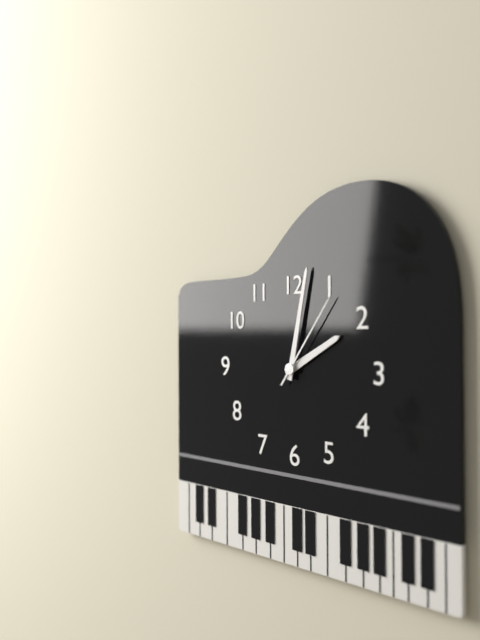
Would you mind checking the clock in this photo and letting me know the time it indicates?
2:02:06
